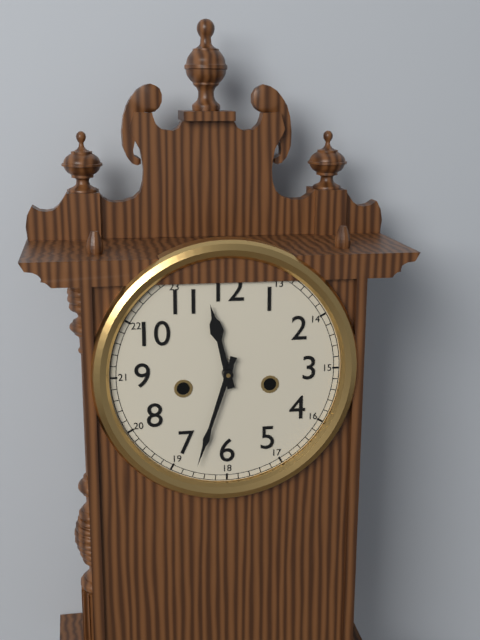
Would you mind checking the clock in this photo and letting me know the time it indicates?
11:33
